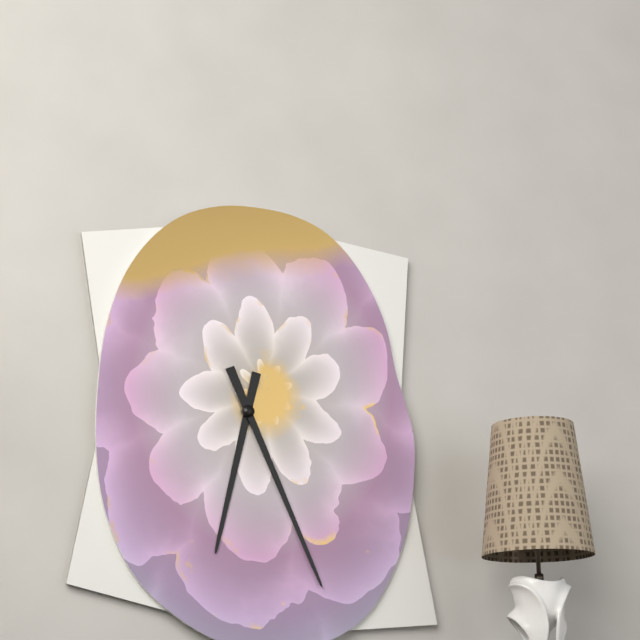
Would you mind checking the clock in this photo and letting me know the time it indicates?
6:26
